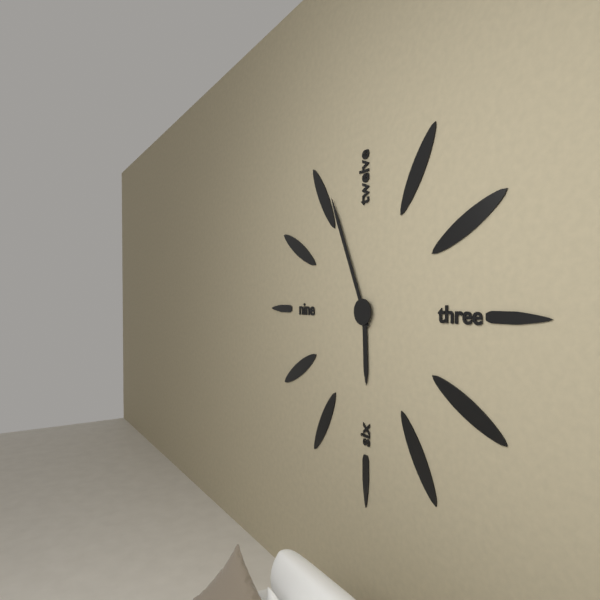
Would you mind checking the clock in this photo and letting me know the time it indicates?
5:56
